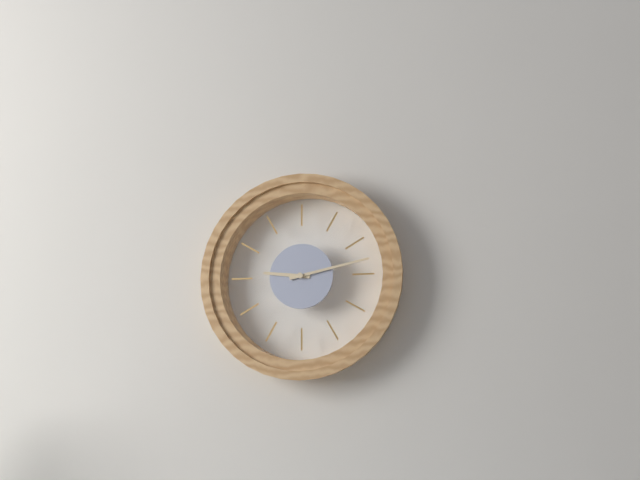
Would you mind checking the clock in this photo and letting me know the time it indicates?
9:13
